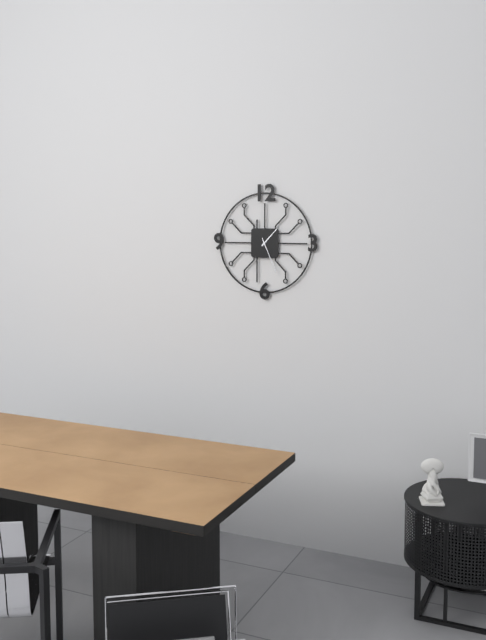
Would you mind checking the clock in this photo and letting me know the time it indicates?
1:26
